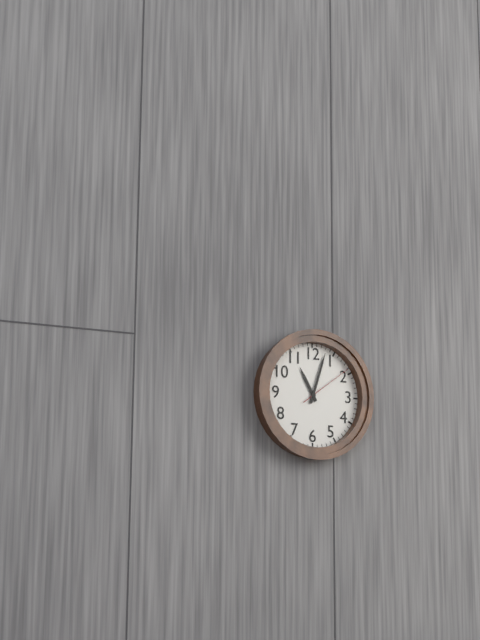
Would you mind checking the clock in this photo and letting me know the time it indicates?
11:03:09
